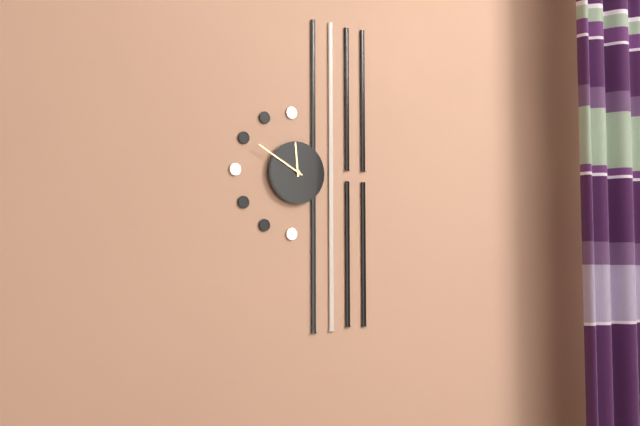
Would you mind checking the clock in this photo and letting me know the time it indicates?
11:50
